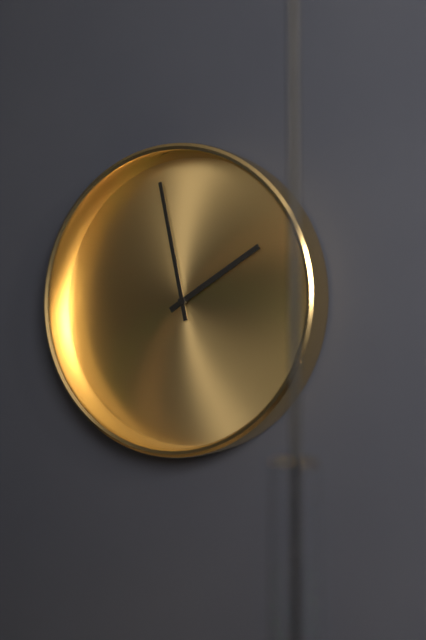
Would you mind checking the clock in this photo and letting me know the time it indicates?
1:58
